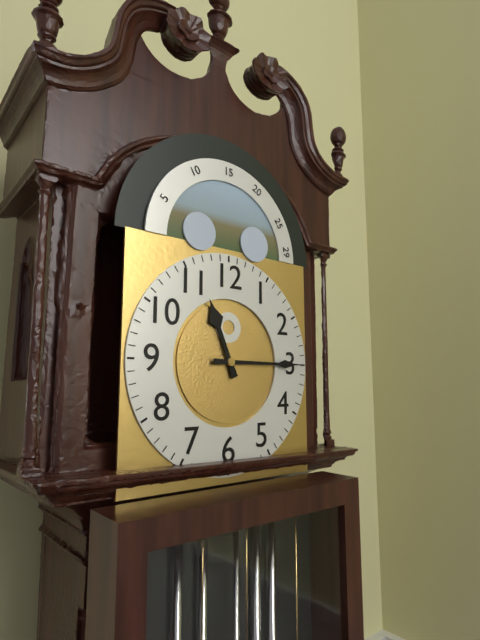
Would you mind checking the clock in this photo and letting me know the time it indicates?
11:15
